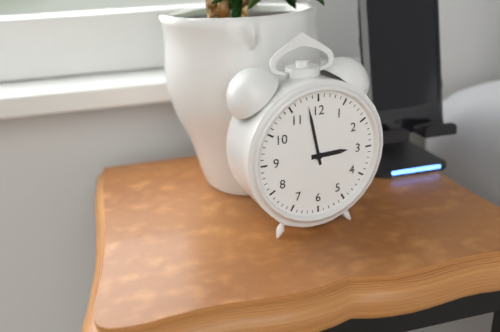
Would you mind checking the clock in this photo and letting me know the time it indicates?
2:58
